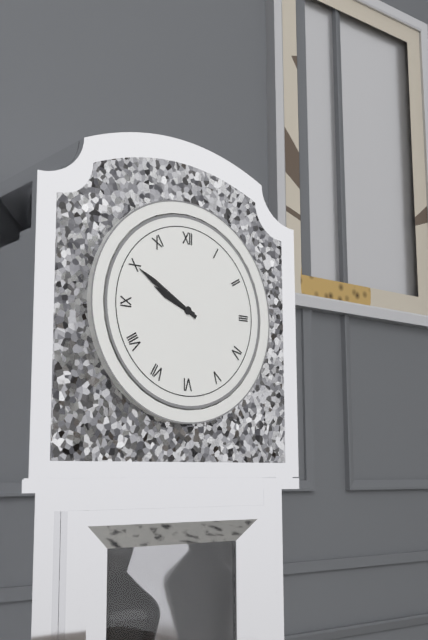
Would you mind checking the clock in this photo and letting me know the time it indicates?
9:50
